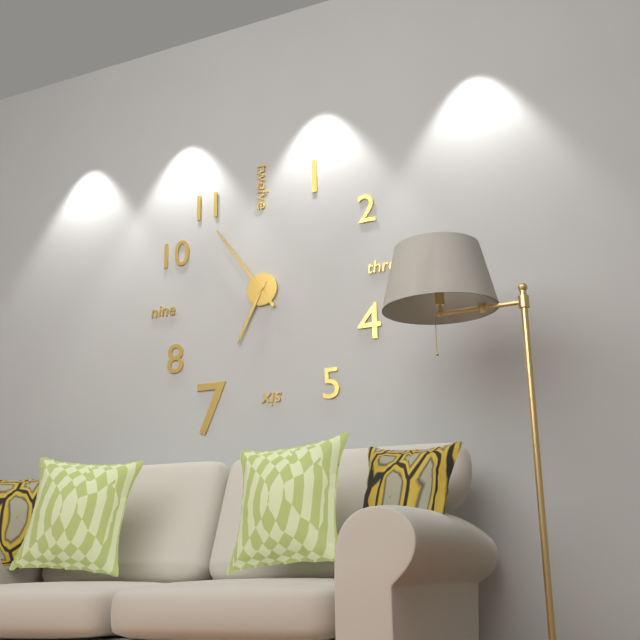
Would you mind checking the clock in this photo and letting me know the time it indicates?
6:54
